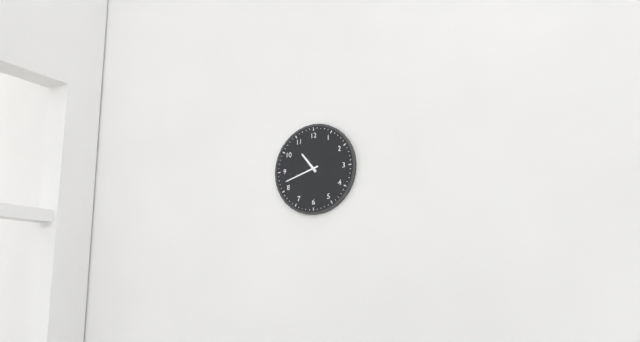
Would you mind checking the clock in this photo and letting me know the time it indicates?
10:42
